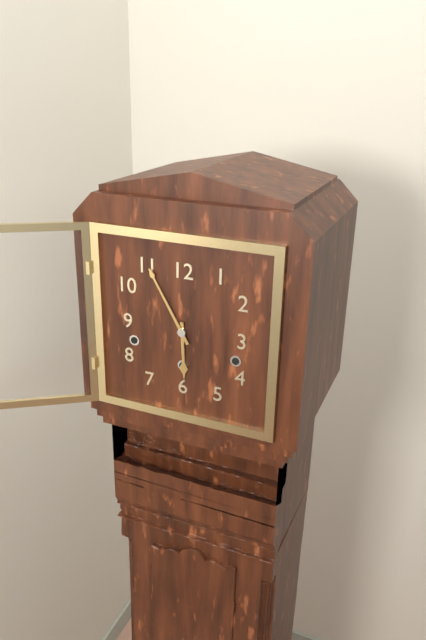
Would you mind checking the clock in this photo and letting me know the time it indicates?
5:55
